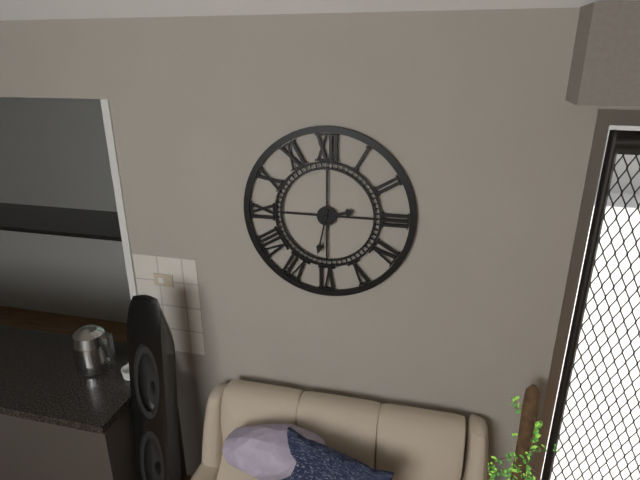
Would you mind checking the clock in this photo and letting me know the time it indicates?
2:32
